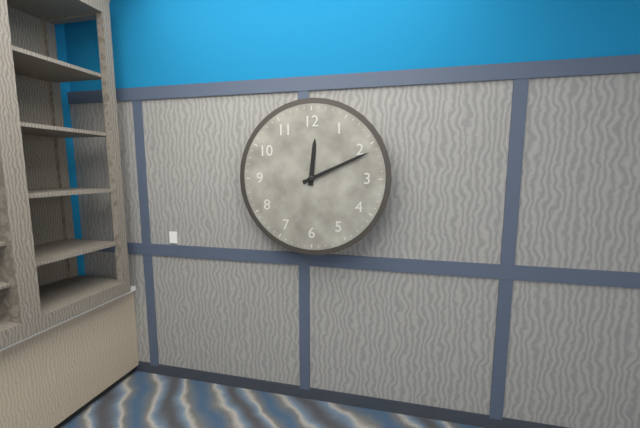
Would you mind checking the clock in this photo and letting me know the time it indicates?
12:11
